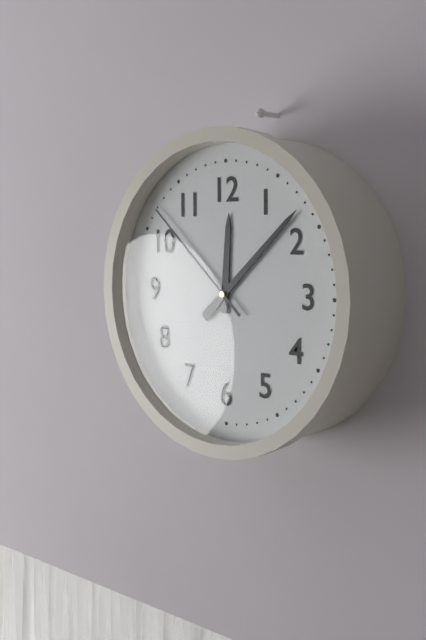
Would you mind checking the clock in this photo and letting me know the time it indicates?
12:08:52
